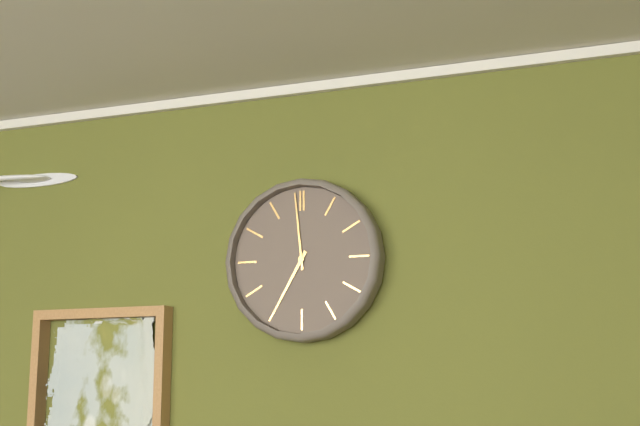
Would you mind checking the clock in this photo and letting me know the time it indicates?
6:59
